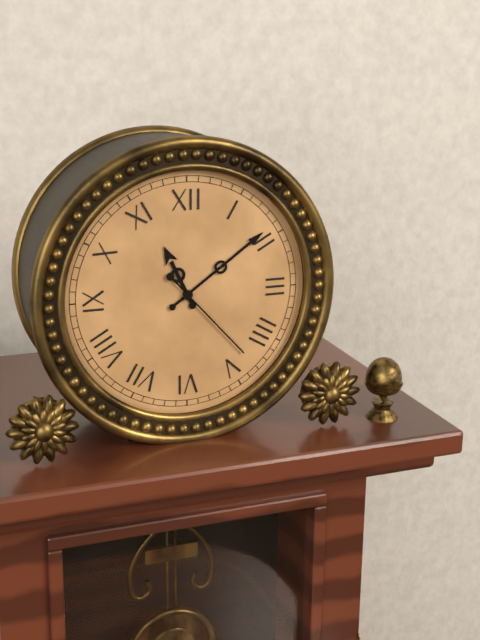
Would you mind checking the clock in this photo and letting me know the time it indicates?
11:09:23
